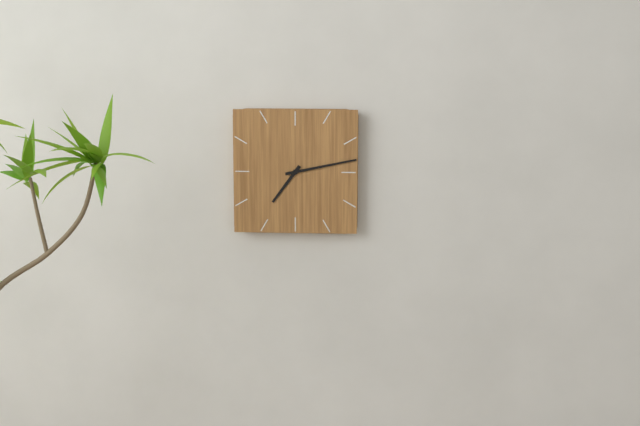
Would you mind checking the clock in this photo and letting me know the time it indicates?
7:13
